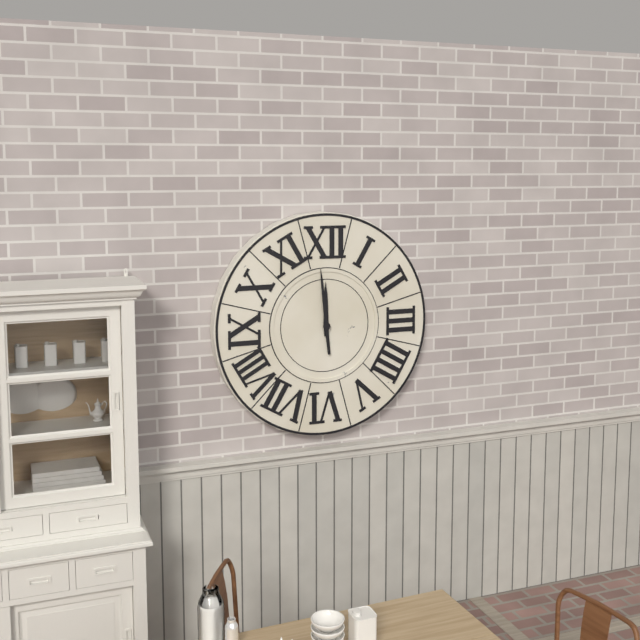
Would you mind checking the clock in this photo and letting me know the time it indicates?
11:59
